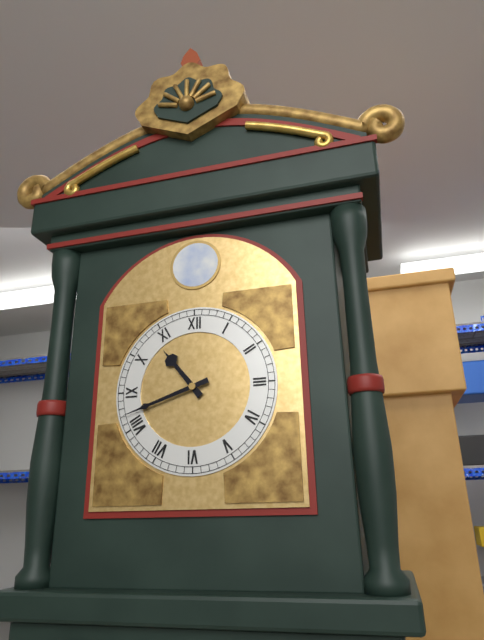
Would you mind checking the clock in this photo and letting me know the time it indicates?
10:42
